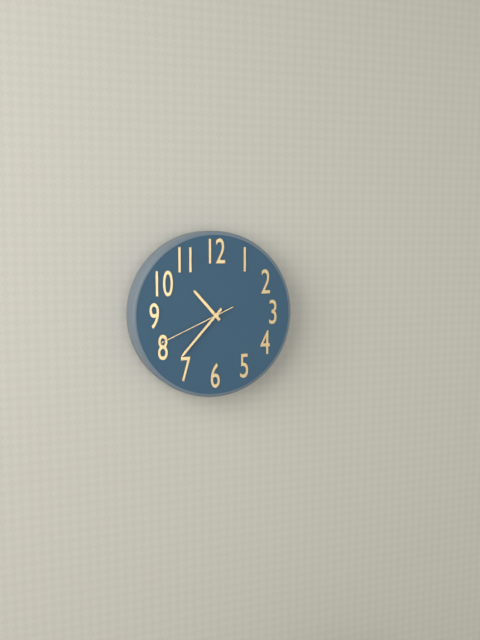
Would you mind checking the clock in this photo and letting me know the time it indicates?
10:37:41
